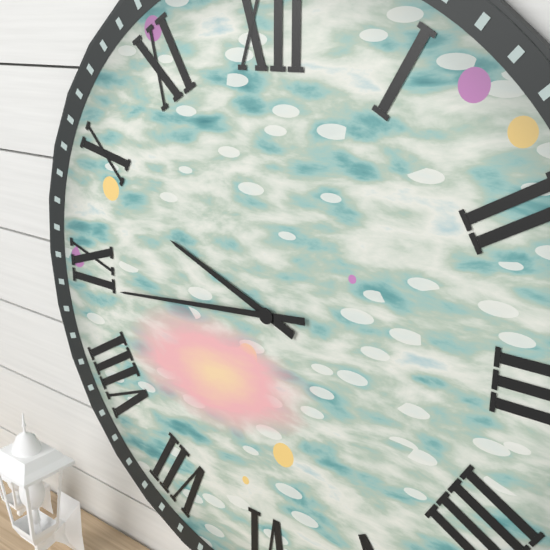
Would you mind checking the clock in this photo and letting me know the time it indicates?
9:44
